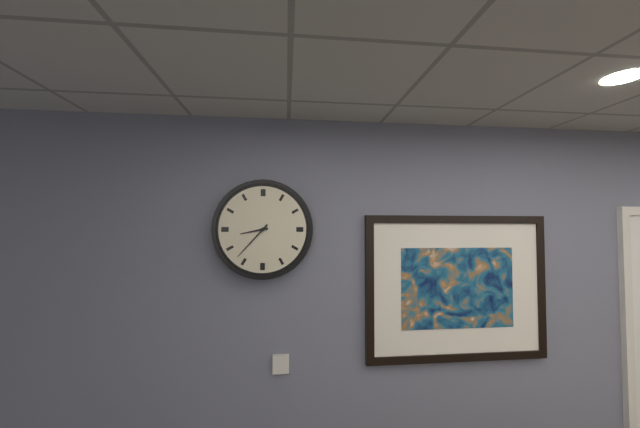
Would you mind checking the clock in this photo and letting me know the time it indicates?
8:37
